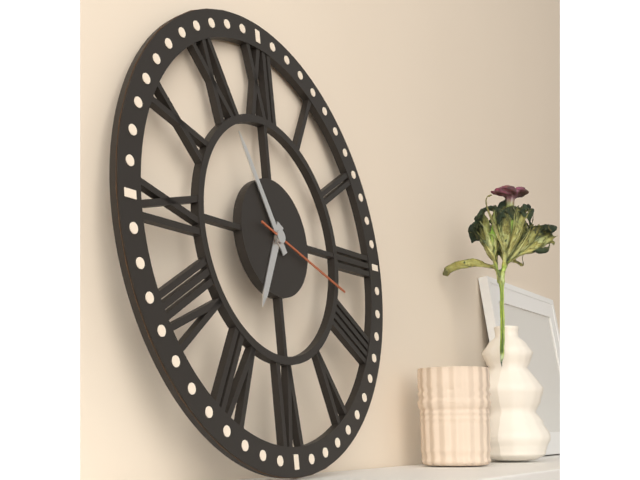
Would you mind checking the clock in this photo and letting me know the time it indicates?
6:55:18
